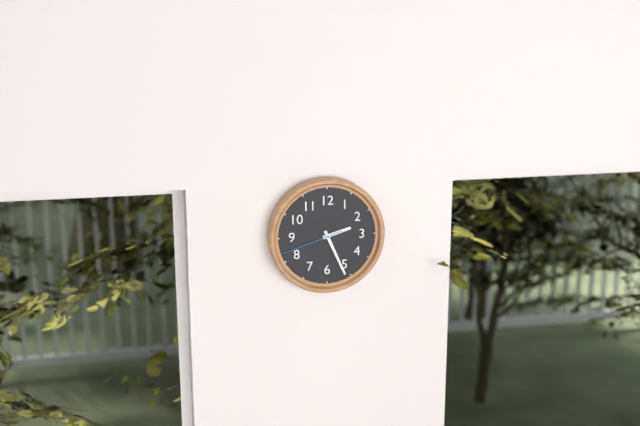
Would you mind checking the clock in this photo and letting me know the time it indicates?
2:26:42
